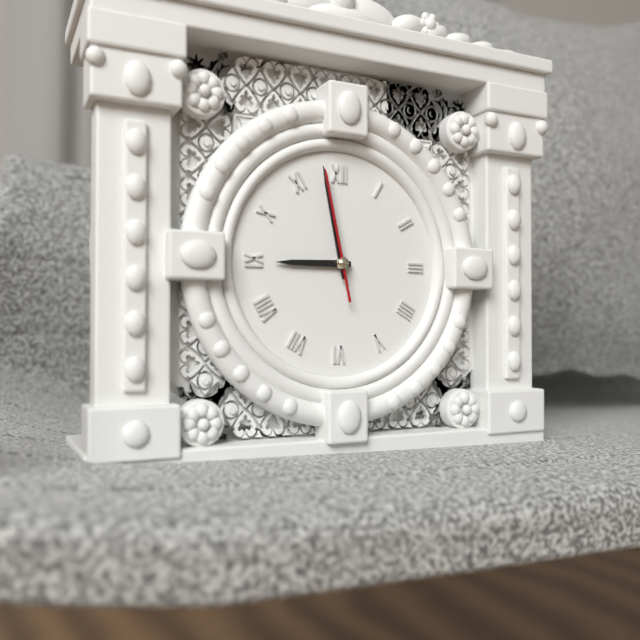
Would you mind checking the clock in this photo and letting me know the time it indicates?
8:58:58
